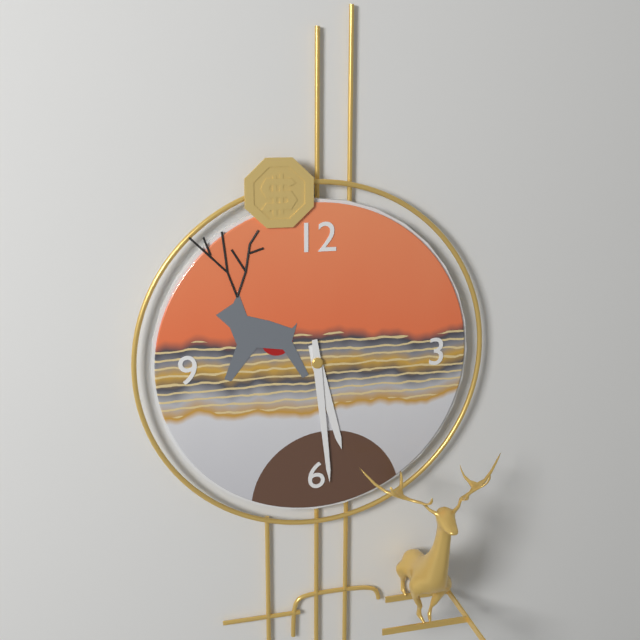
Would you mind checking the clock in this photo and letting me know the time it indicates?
5:29
